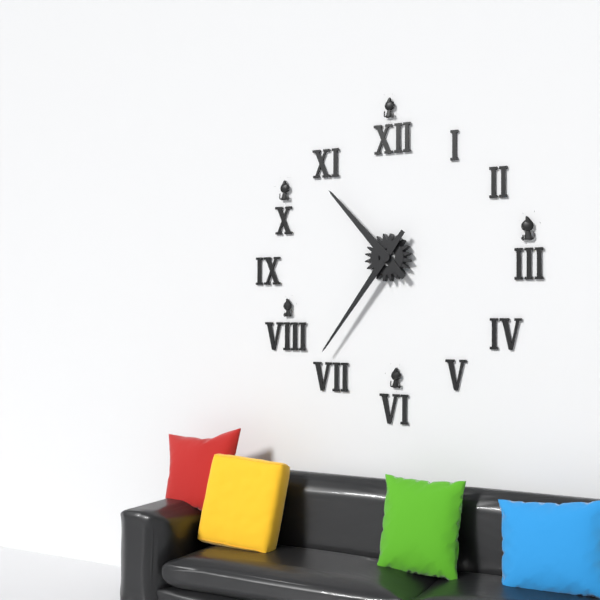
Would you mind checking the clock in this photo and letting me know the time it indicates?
10:36
